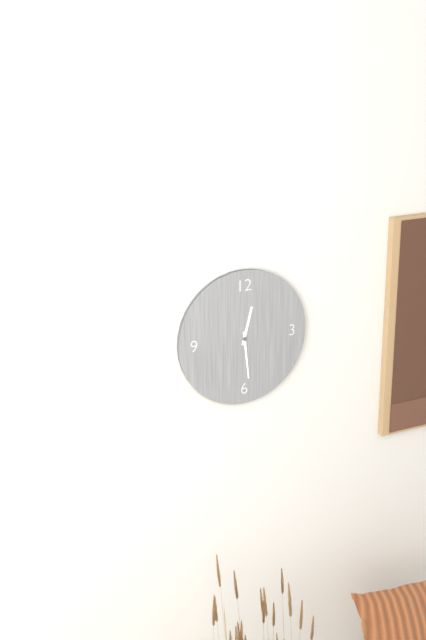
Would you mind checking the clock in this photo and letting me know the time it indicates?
12:29
